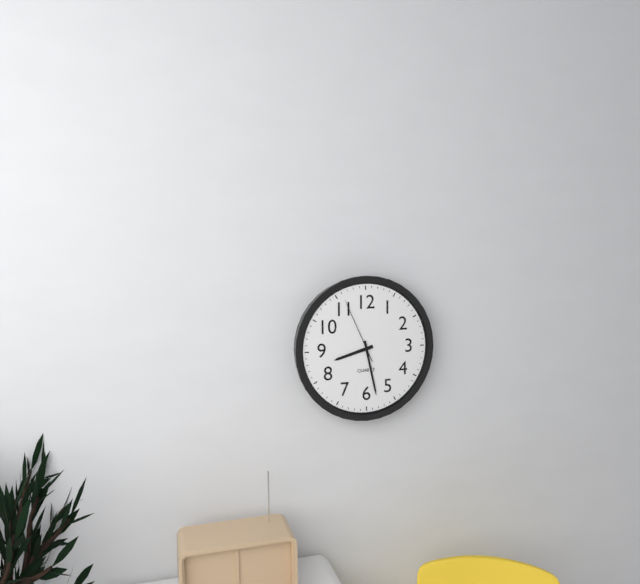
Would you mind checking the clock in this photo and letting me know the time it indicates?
8:28:56
